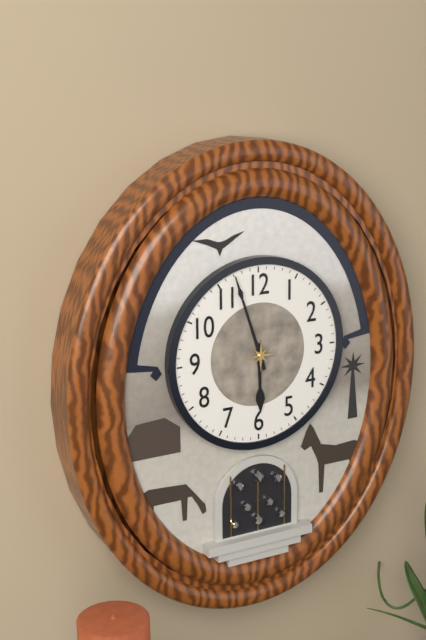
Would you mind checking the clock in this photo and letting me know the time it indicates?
5:57
